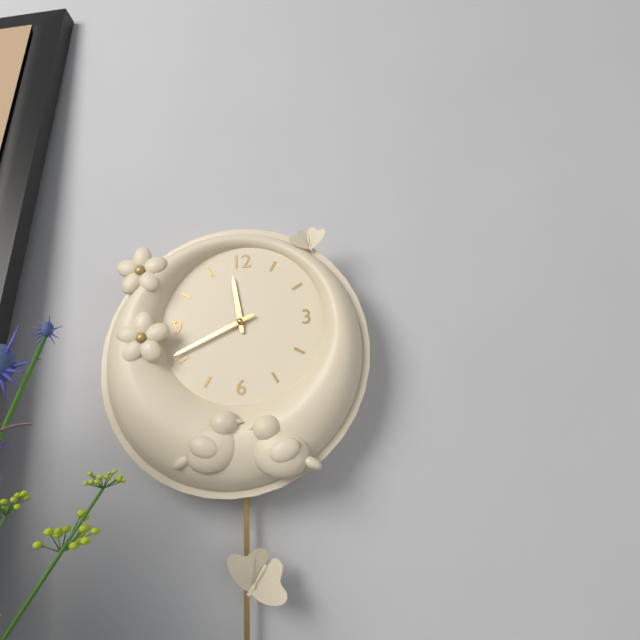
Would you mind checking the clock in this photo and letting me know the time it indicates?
11:41
